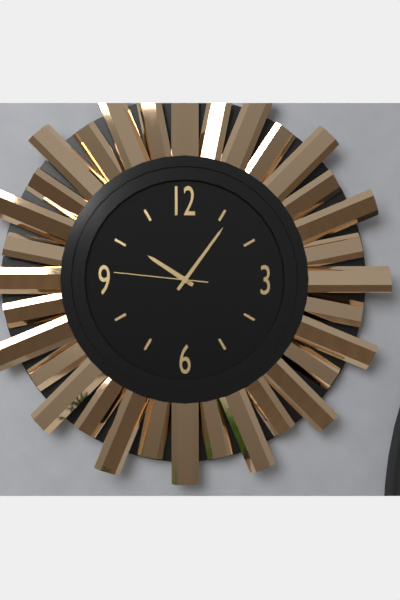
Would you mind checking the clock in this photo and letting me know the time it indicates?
10:06:46
